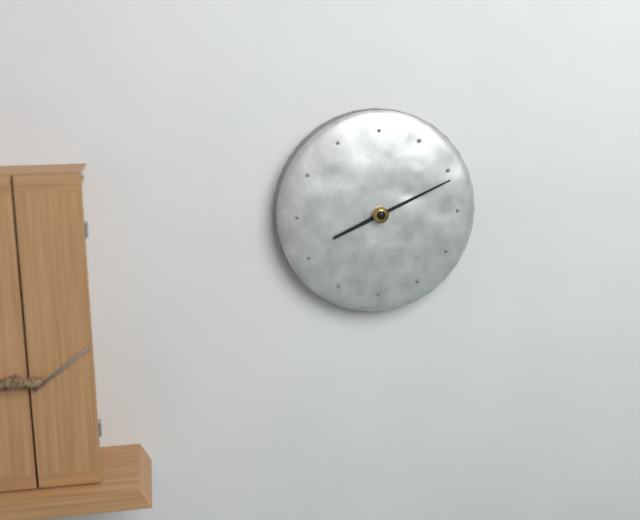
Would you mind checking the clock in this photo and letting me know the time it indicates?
8:11
